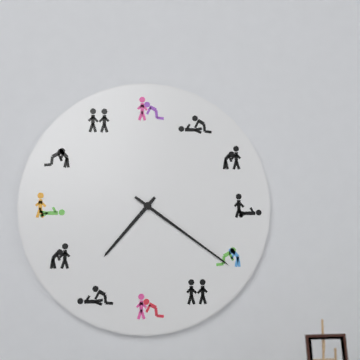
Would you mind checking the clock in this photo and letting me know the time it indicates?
7:21
